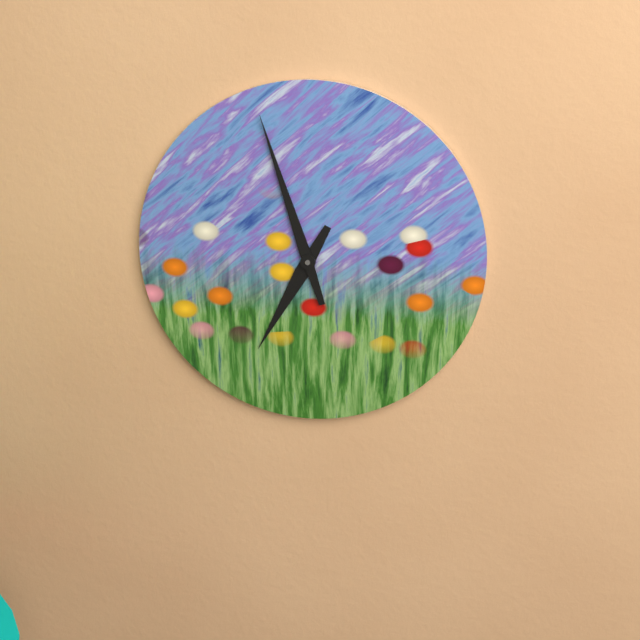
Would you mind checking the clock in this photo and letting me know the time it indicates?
6:57
